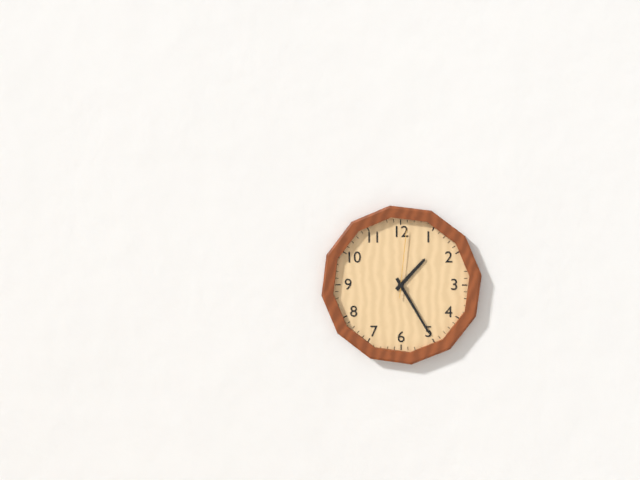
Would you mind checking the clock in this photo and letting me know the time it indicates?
1:25:01
